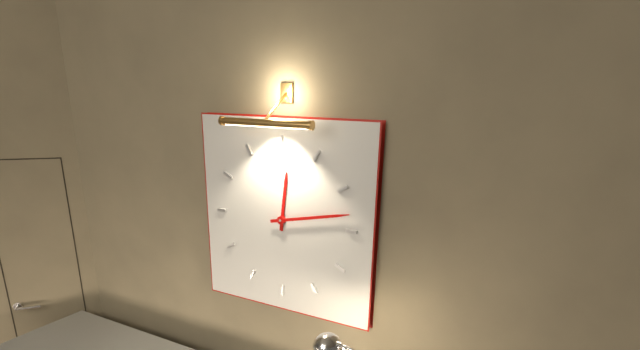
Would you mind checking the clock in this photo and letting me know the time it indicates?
12:13
